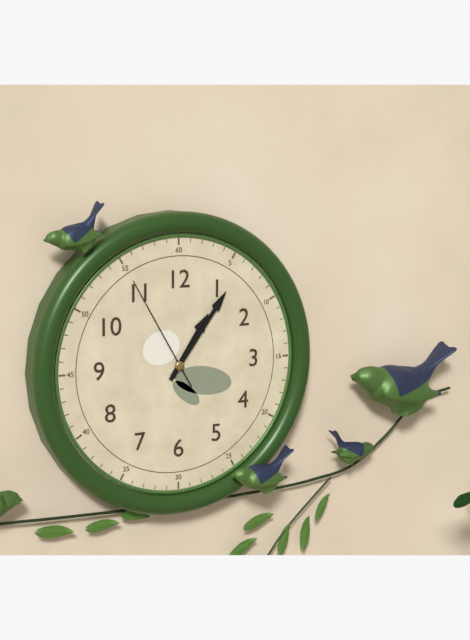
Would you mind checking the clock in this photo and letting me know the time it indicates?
1:06:55
